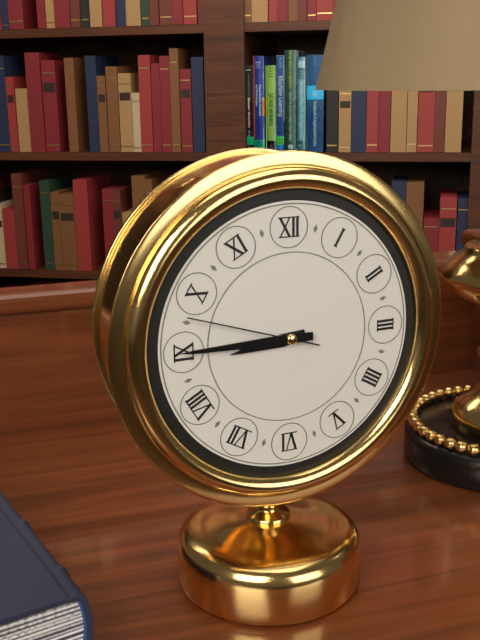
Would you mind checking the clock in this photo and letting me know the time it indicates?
8:45:48
